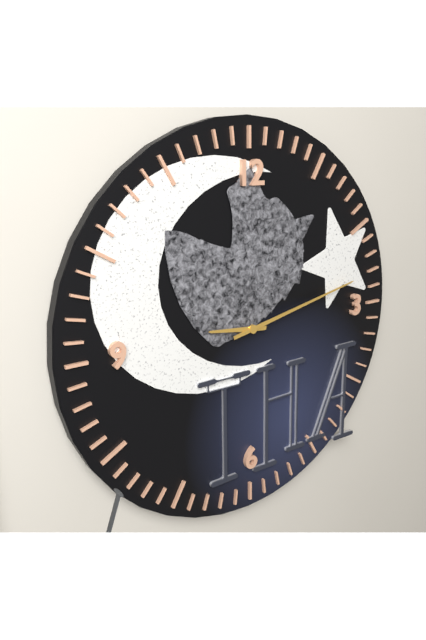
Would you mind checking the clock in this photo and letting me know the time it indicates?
9:13
